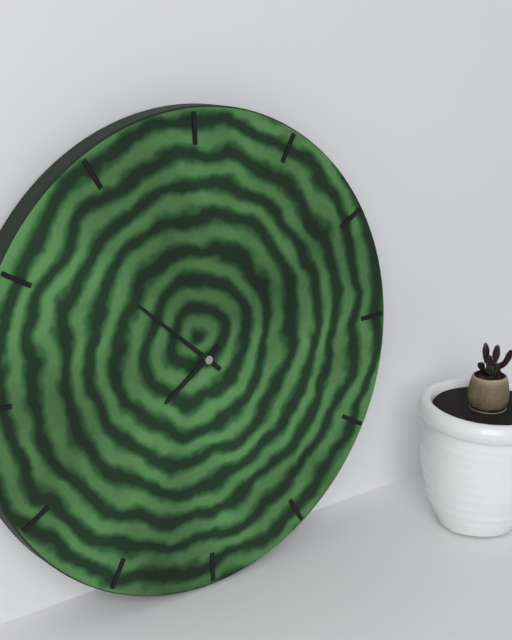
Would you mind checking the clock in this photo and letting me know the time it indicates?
7:52
